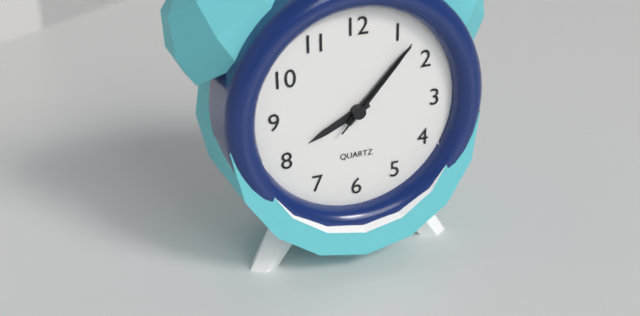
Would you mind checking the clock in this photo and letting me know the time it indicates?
8:07:07
